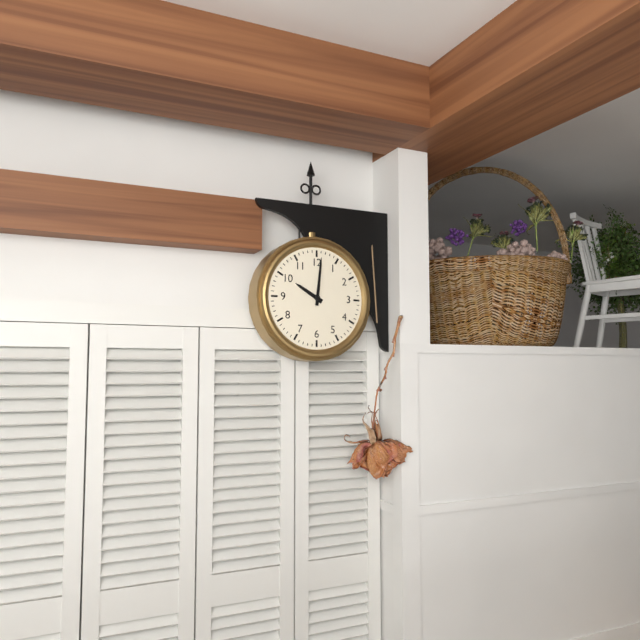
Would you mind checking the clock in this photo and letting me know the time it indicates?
10:01
